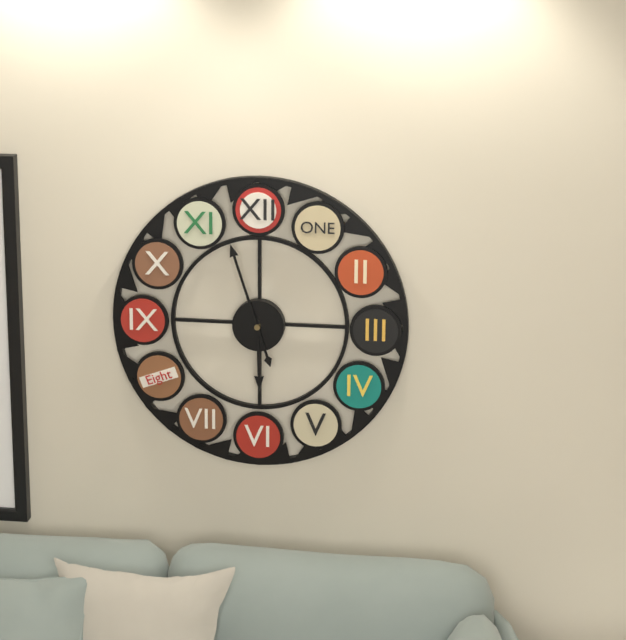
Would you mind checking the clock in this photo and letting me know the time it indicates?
5:57
